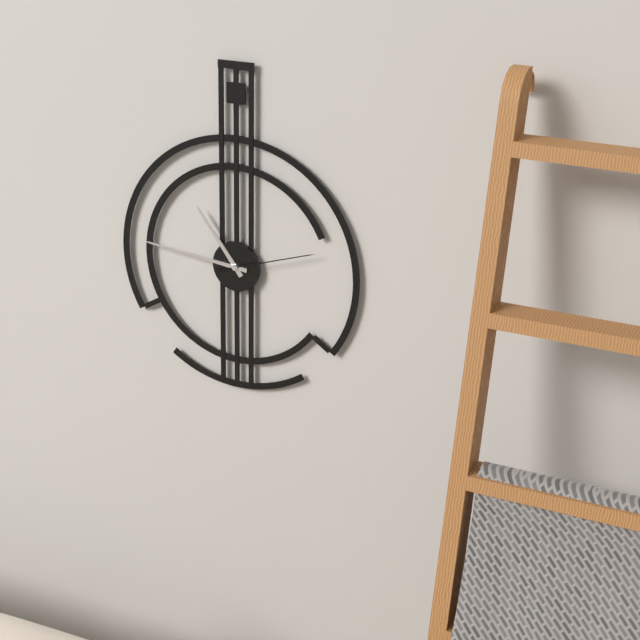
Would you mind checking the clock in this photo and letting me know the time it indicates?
10:46:12
